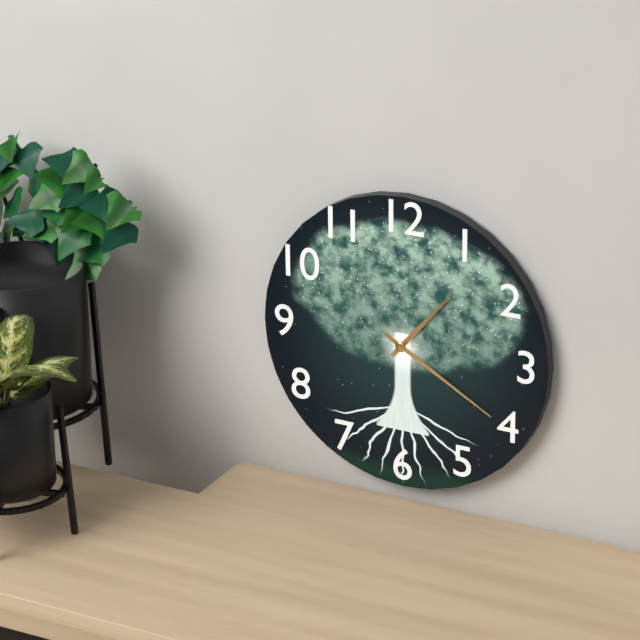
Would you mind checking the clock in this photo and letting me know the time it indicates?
1:20
